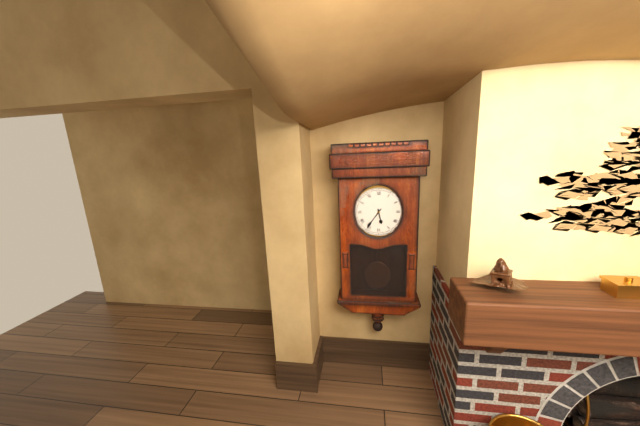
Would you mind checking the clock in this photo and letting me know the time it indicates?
5:36
